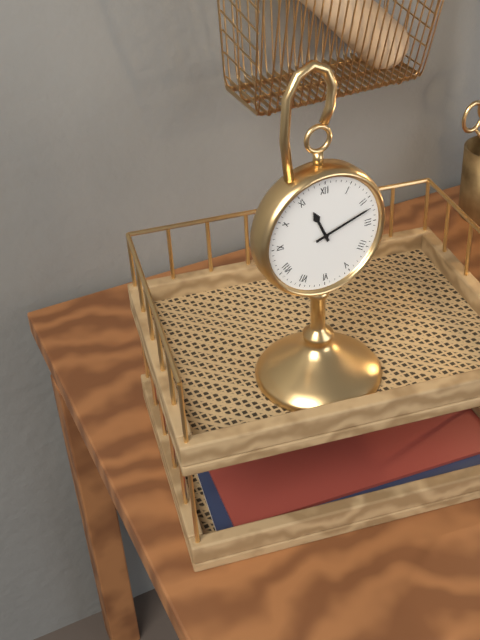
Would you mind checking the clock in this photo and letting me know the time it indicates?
11:12
